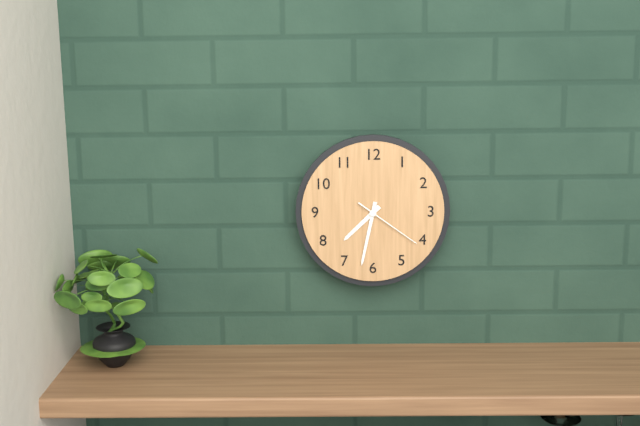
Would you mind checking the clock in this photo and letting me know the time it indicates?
7:32:21
